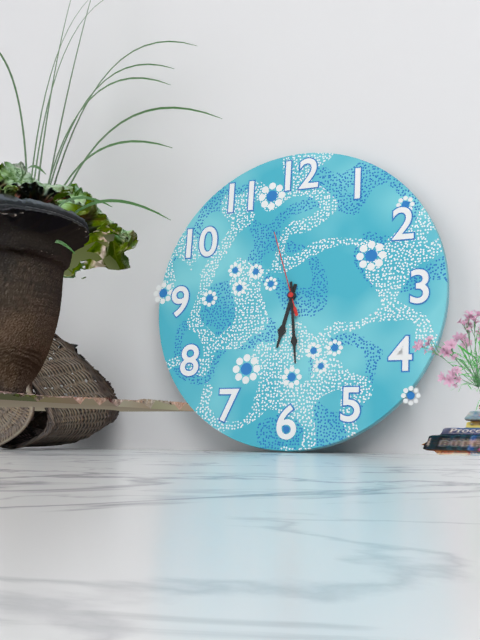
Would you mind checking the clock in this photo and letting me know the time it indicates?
6:29:57
